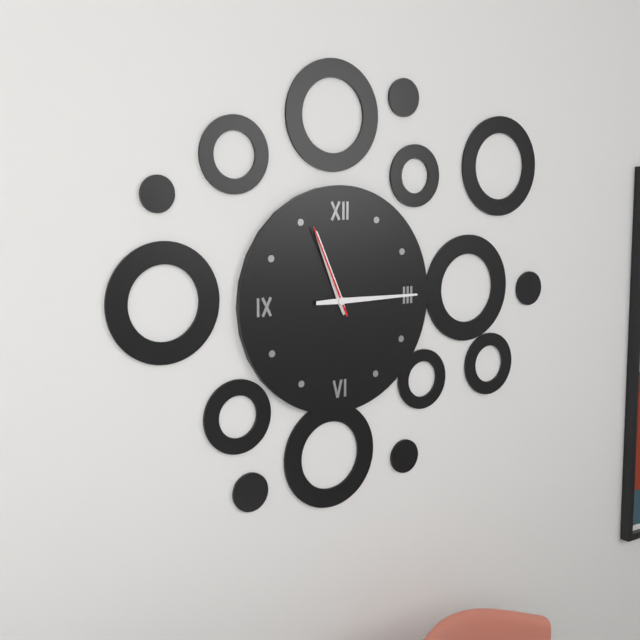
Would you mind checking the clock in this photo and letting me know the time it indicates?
11:15:56
